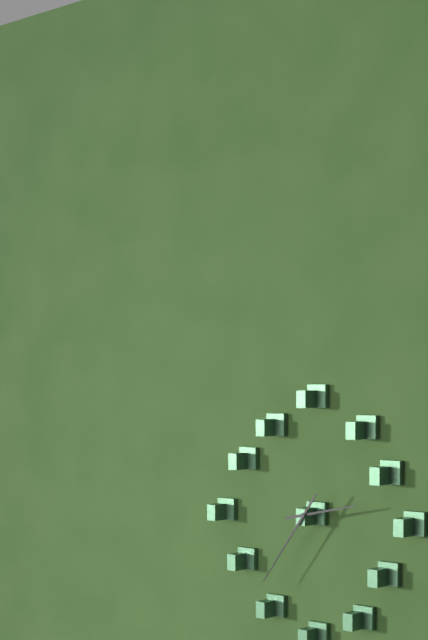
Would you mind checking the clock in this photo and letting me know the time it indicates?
2:36
